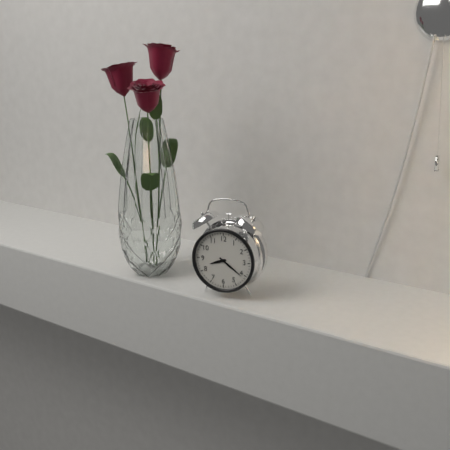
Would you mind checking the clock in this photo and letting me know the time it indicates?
8:21
